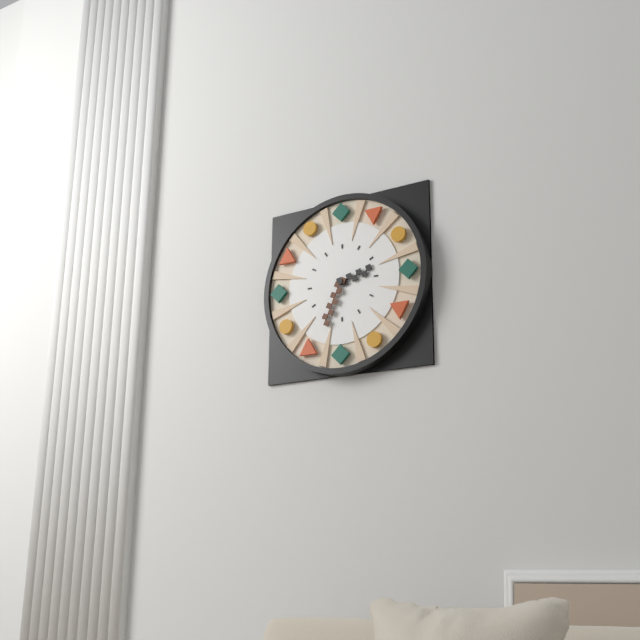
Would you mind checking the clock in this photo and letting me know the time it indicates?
2:34
